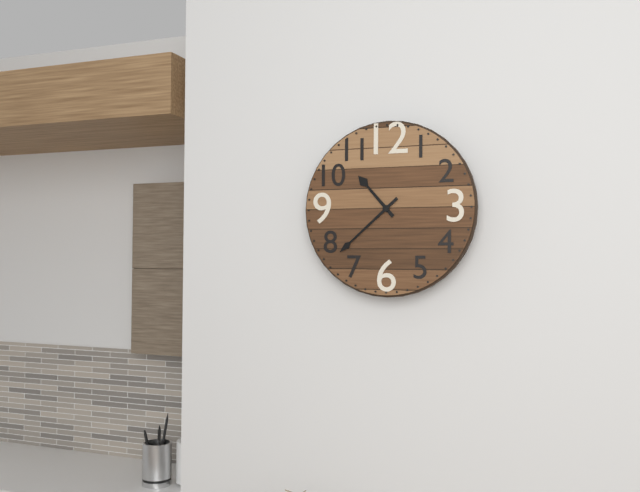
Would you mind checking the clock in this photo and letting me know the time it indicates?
10:38
